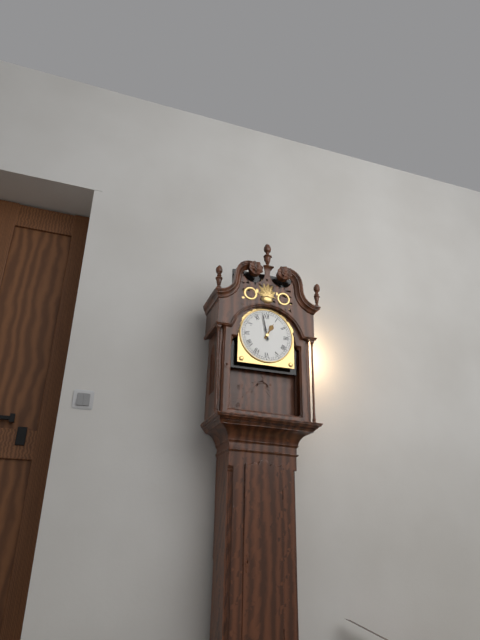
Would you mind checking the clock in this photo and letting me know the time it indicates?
12:58
